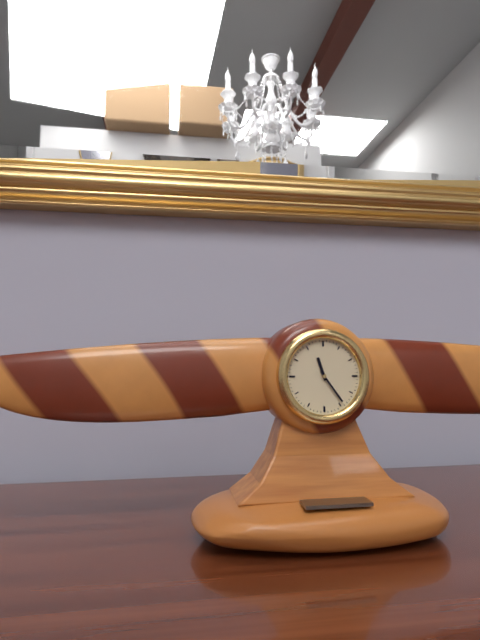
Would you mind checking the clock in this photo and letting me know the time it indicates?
11:24
